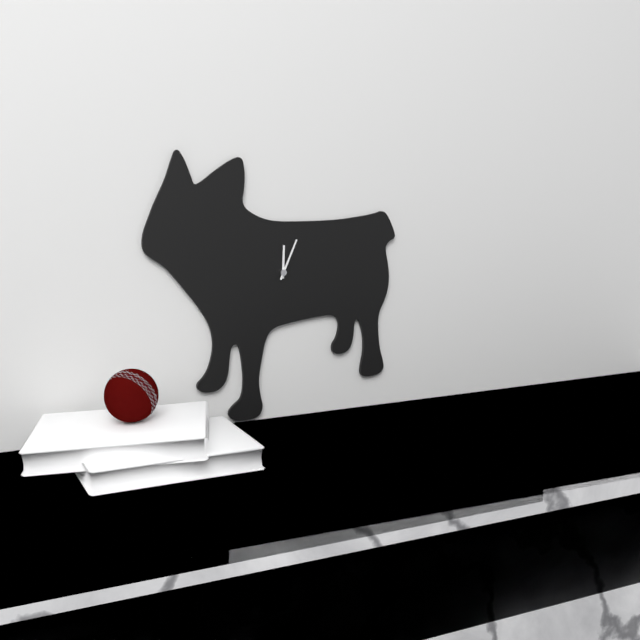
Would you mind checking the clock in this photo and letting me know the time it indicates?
12:04
